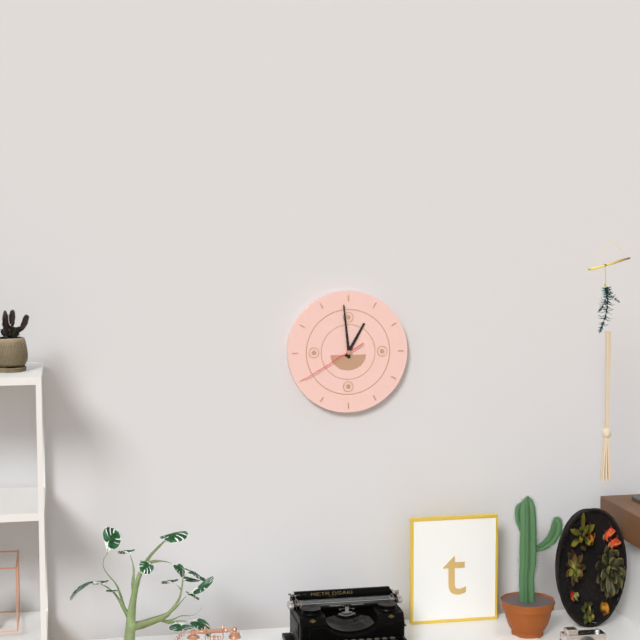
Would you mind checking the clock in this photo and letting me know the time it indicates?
12:59:40
